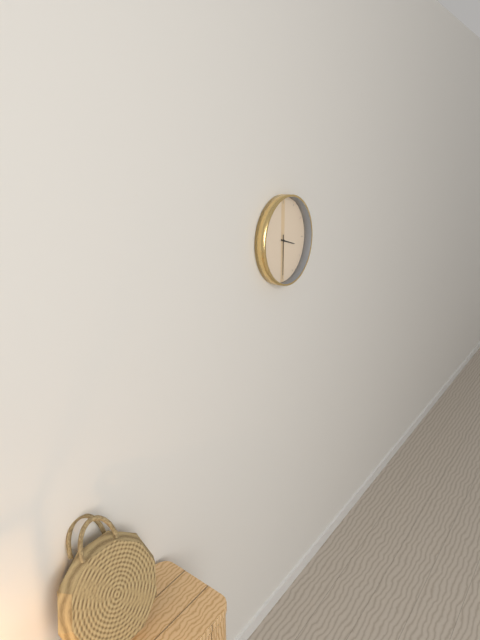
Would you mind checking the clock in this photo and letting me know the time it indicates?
3:30
